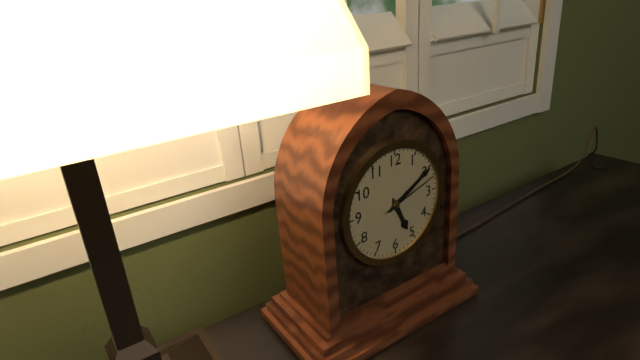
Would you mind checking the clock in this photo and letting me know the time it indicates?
5:10:12
